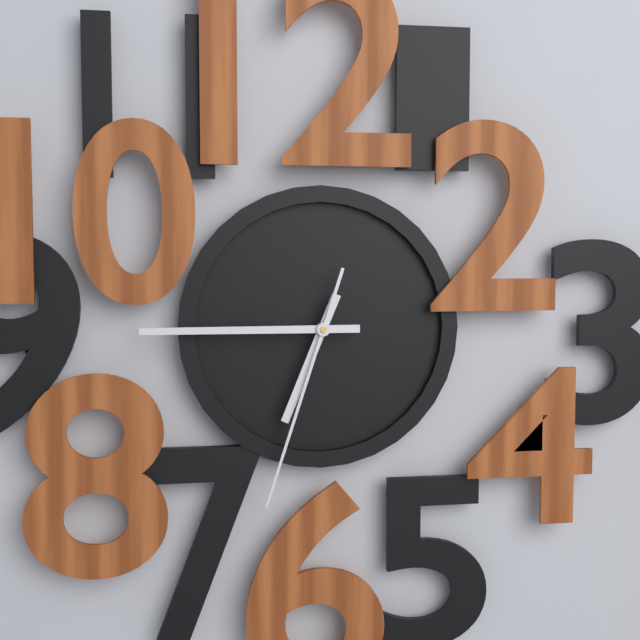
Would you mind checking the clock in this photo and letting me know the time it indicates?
6:45:33
